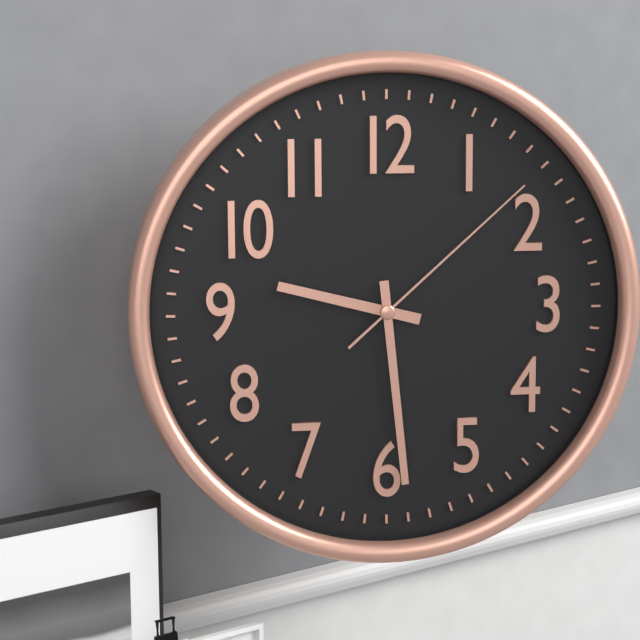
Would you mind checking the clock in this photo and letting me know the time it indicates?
9:29:08
